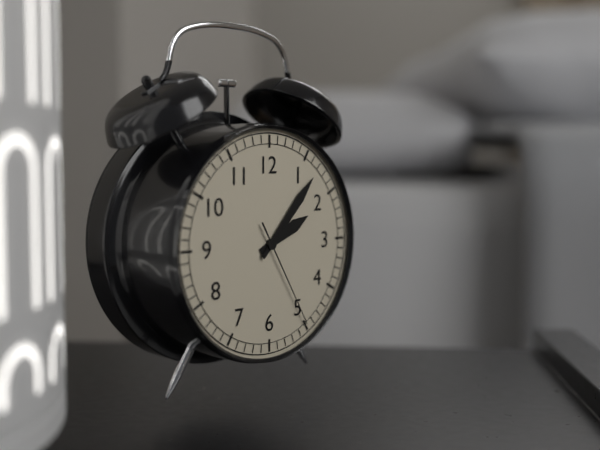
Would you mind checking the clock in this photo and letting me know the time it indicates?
2:07:25
